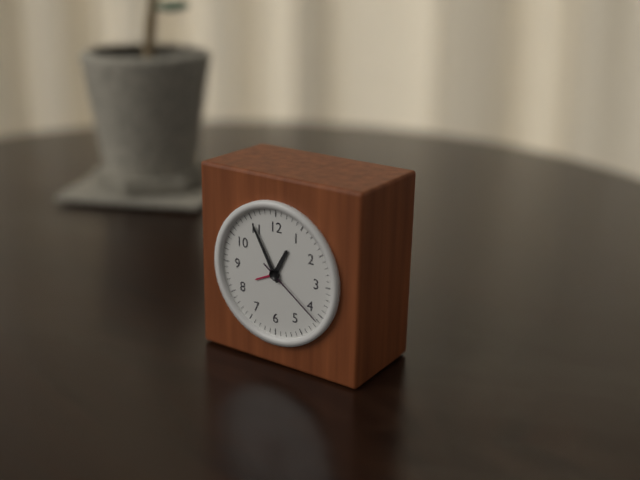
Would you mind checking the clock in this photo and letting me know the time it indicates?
12:55:21
